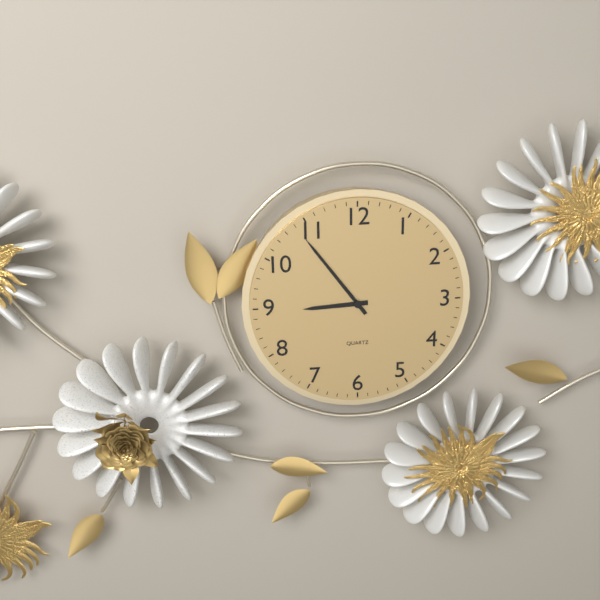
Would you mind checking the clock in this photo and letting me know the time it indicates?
8:54
